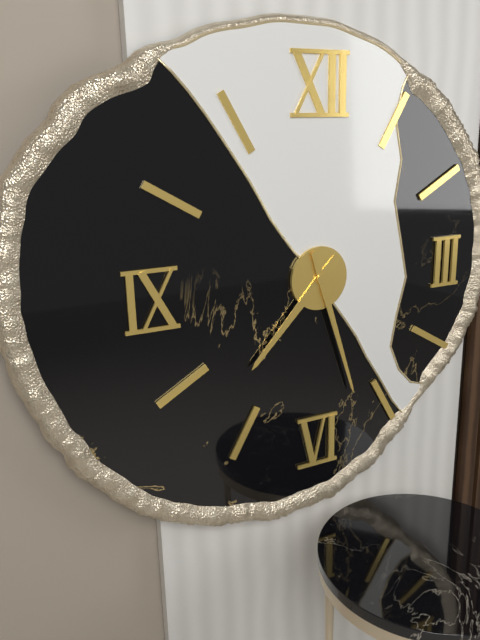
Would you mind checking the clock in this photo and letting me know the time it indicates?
7:27
